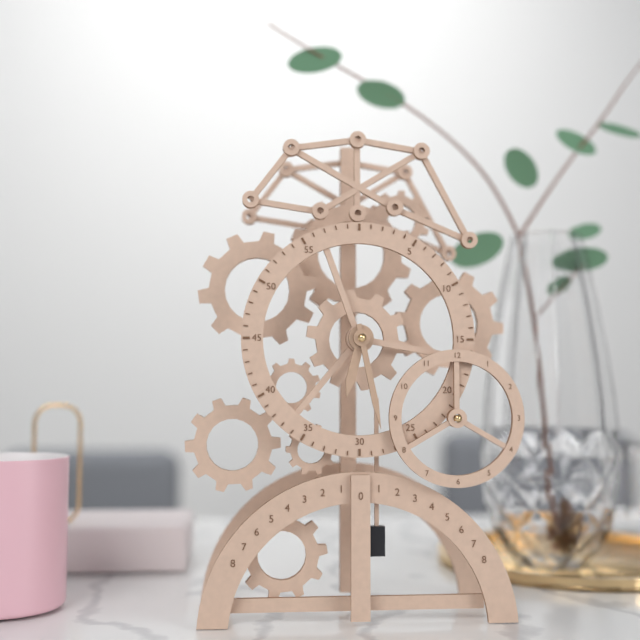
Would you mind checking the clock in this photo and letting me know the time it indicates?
6:28
